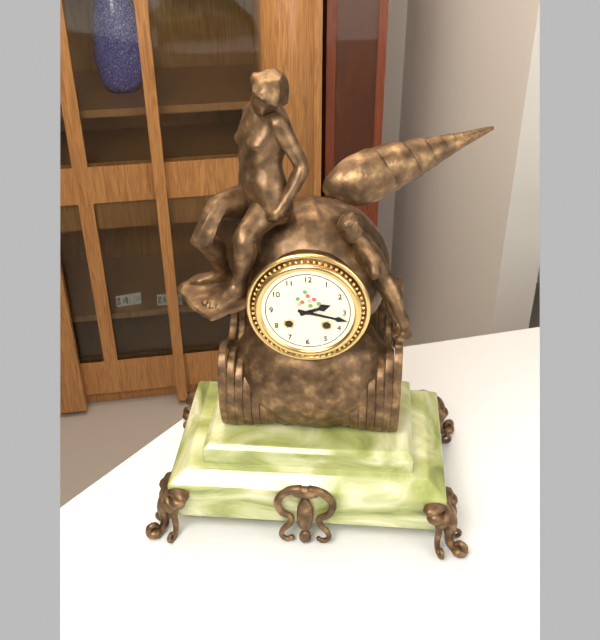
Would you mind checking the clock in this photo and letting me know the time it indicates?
2:17
